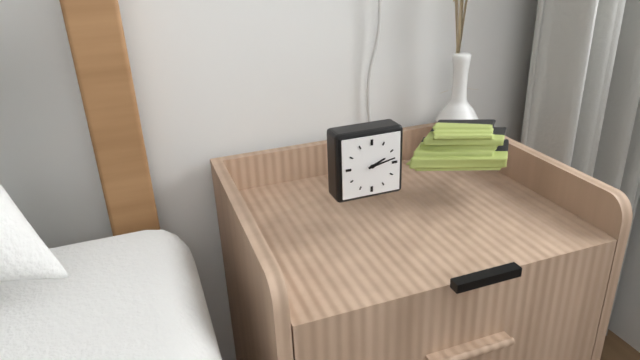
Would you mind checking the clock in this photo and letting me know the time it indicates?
2:13
